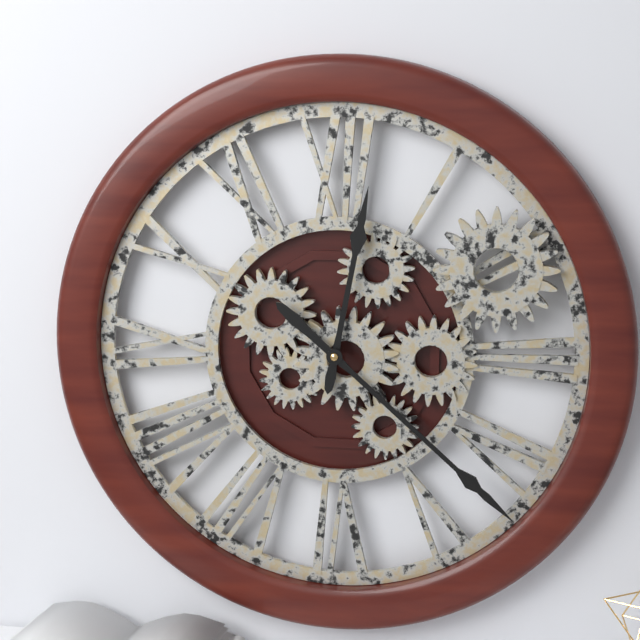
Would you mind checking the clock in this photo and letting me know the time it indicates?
12:22
